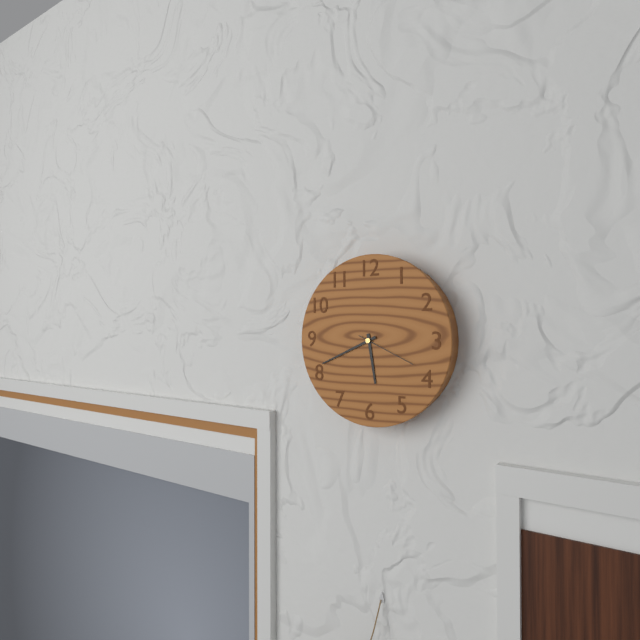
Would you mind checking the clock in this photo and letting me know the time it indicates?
5:41:19
